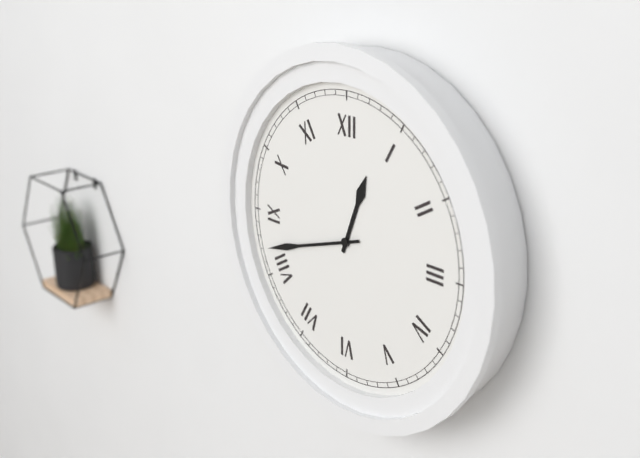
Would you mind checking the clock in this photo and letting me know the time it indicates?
12:42
